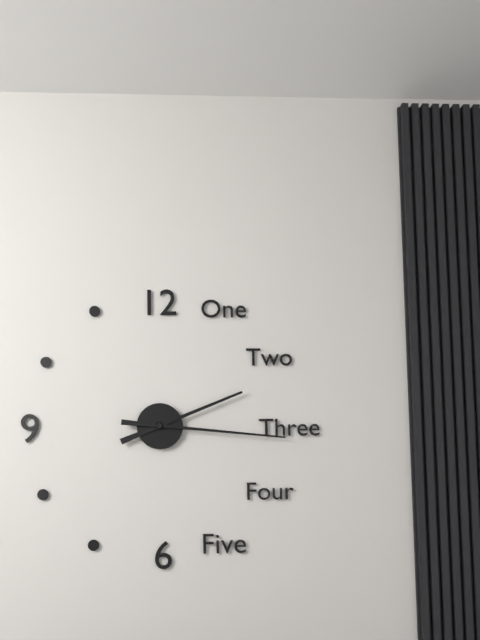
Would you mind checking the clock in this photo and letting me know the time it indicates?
2:16
